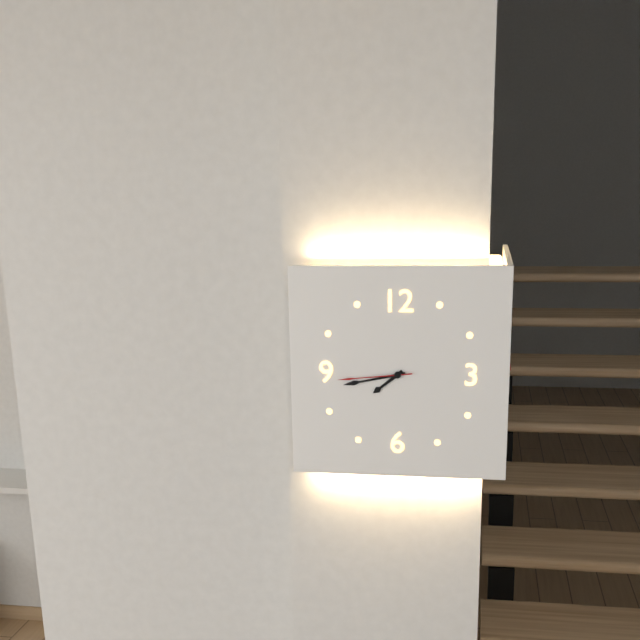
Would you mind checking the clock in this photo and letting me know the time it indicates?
7:43:44
